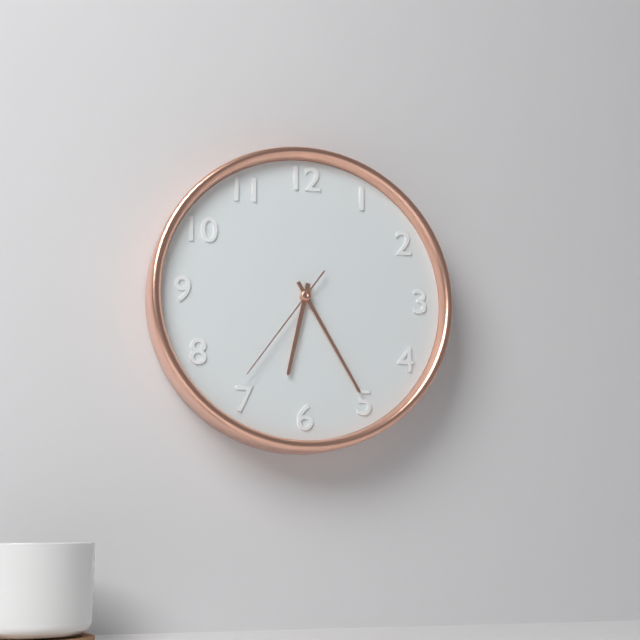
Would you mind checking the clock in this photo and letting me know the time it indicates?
6:25:36
